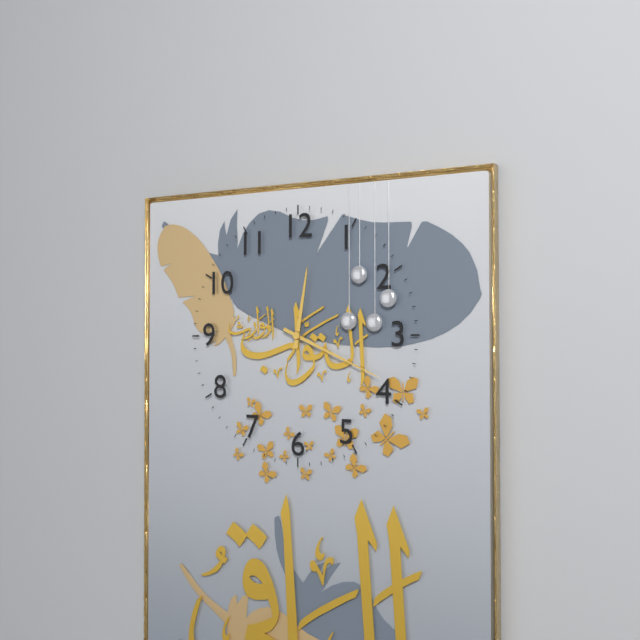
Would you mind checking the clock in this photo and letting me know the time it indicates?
12:19
